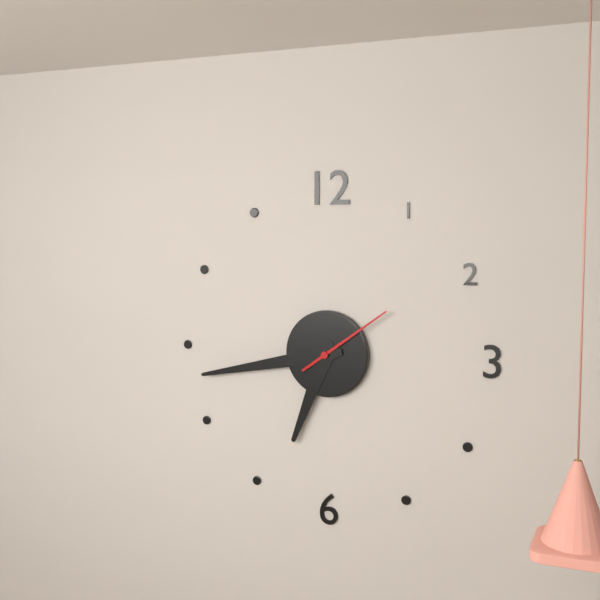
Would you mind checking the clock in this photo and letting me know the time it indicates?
6:43:09
